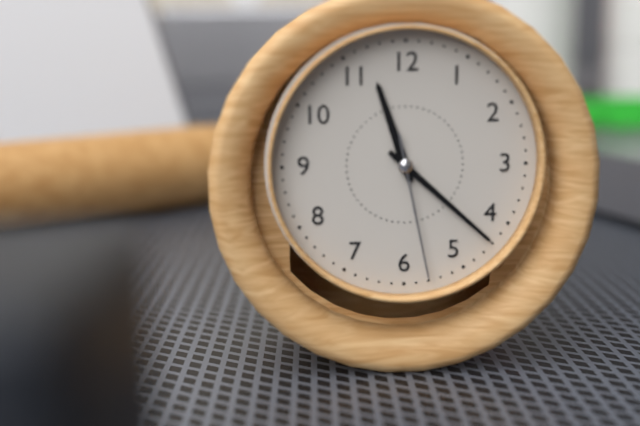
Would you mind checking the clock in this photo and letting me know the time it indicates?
11:22:28
